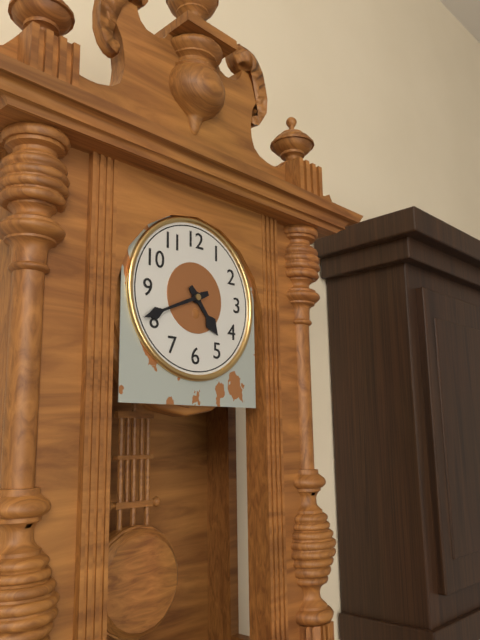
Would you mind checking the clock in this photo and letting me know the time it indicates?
4:41
